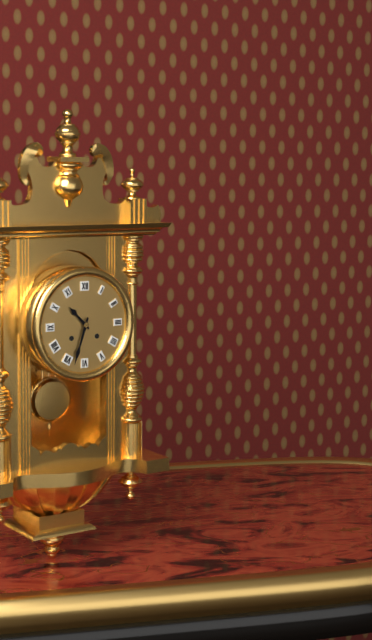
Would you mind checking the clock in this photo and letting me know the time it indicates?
10:33
